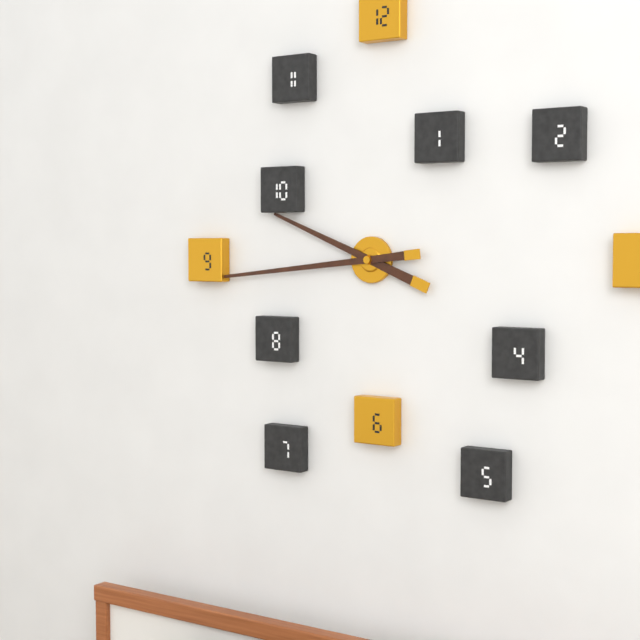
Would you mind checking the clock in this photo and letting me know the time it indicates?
9:44
